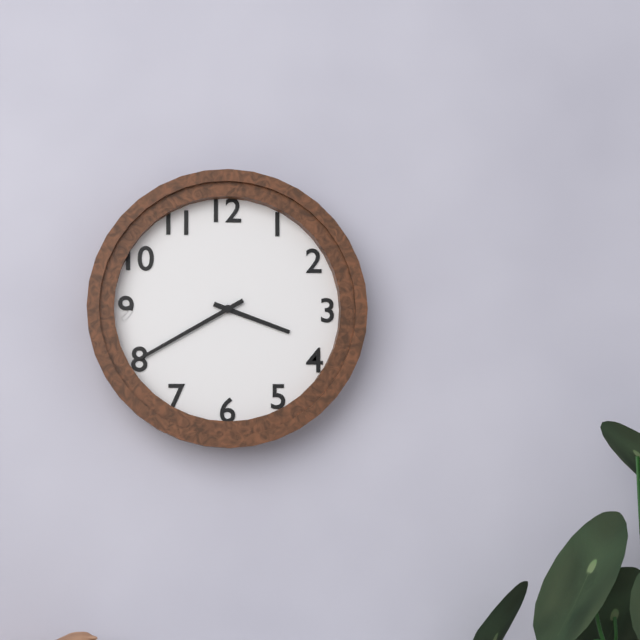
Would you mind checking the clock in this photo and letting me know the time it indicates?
3:40
